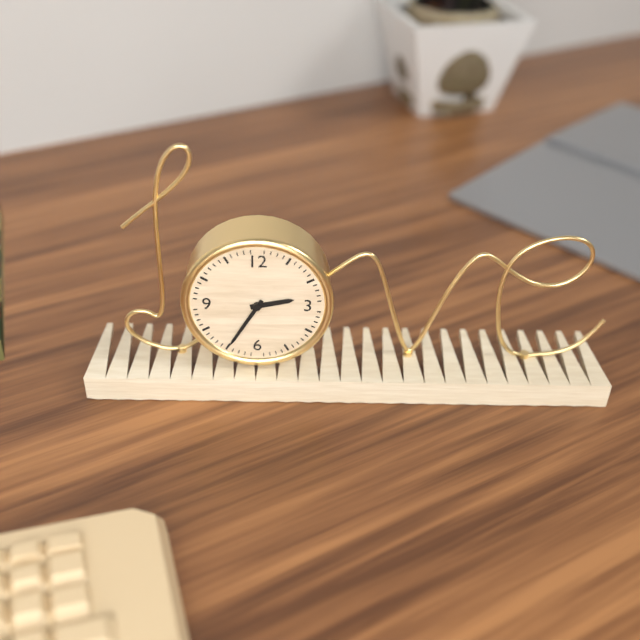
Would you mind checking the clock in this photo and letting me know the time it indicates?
2:35
